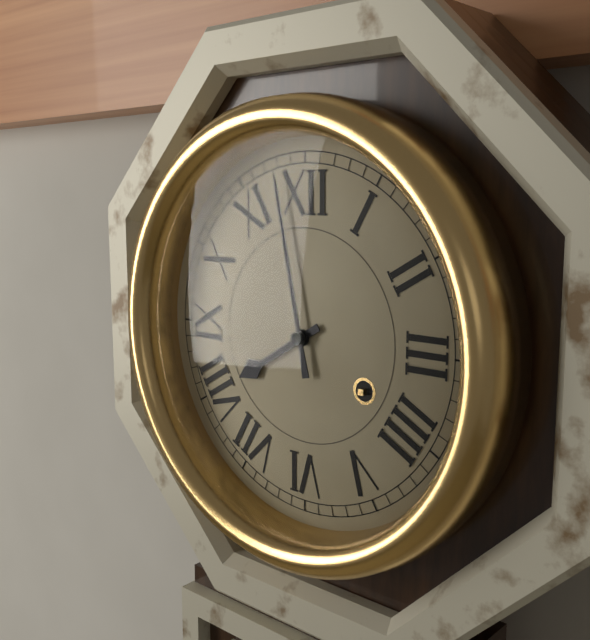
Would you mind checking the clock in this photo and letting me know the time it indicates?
7:58
